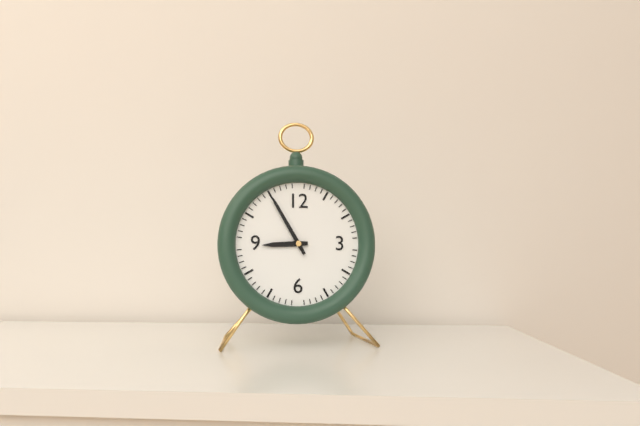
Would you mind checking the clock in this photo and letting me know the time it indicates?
8:55
